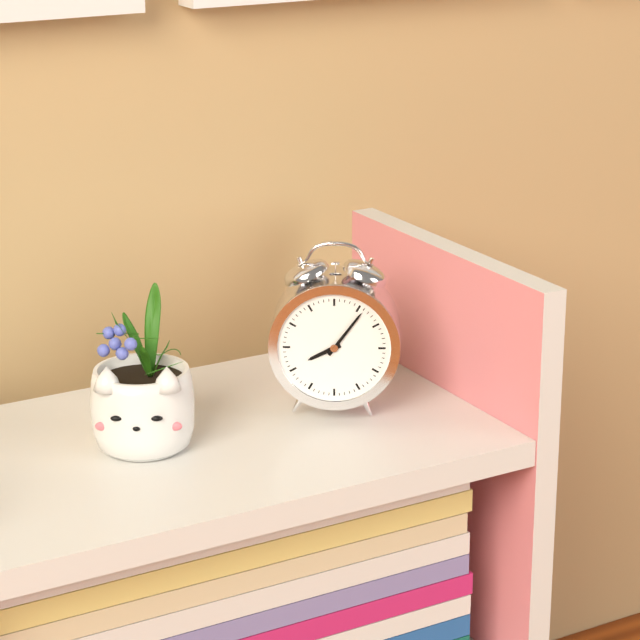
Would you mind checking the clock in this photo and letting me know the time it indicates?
8:06
